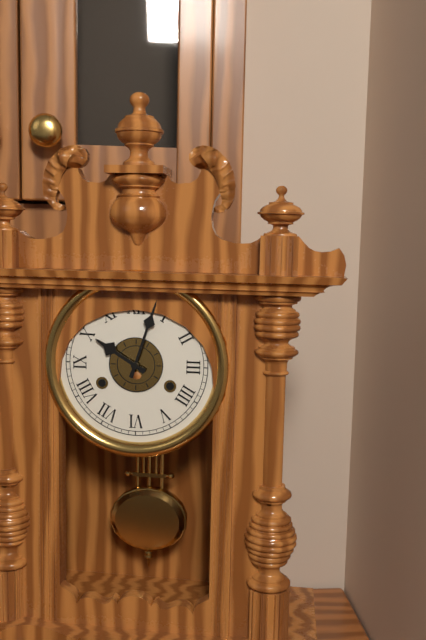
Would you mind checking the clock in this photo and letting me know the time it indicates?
10:03
